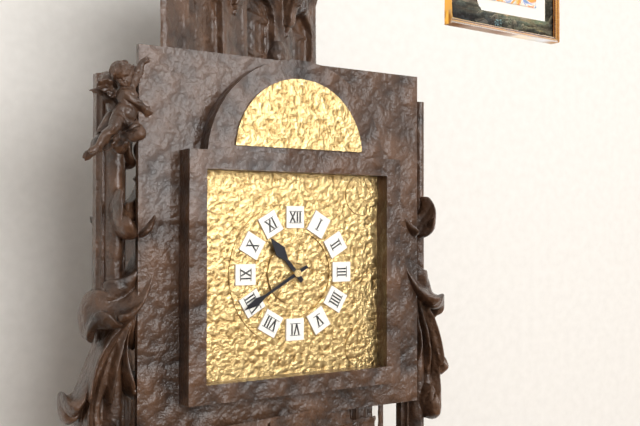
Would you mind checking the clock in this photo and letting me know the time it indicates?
10:40
